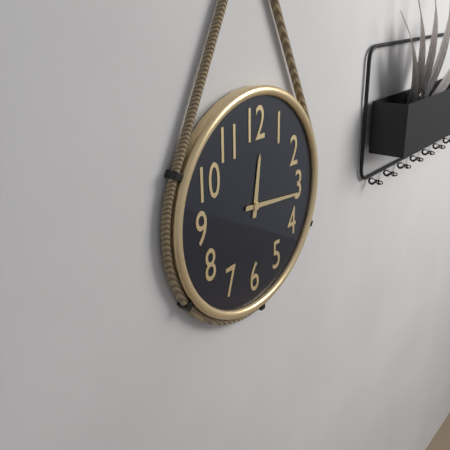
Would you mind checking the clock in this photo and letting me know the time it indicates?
12:16
